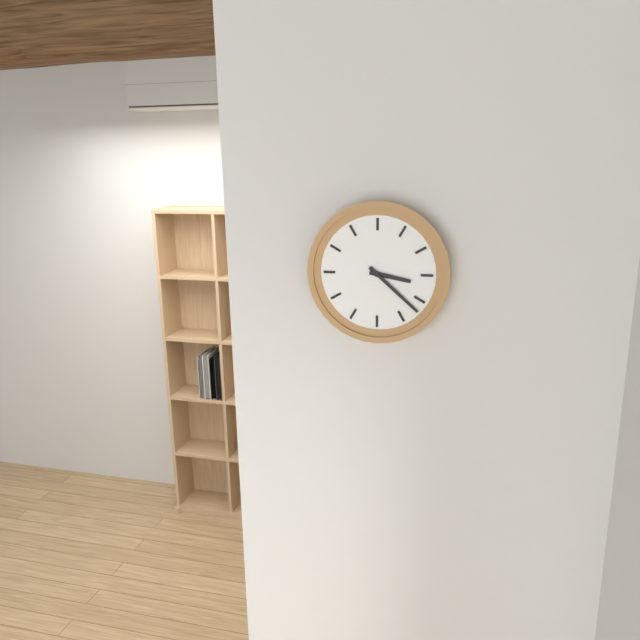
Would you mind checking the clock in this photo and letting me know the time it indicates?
3:22
